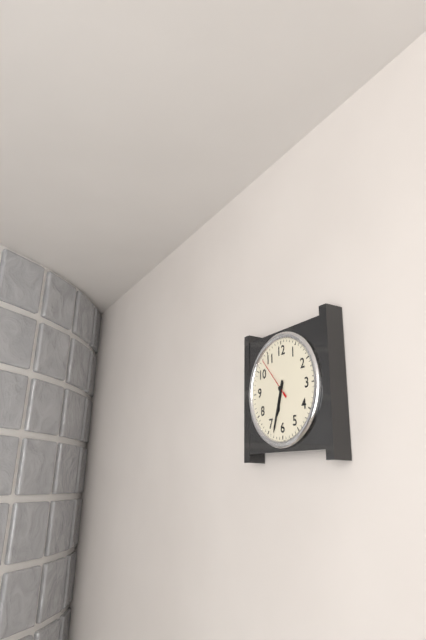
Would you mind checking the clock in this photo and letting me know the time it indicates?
6:33
